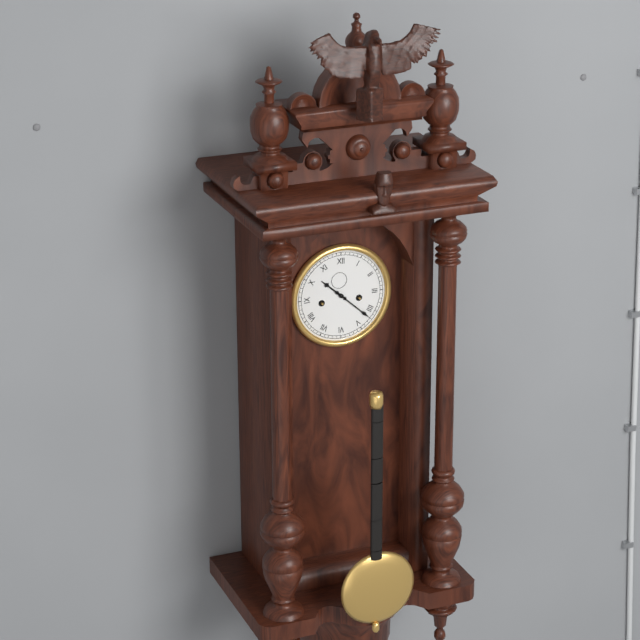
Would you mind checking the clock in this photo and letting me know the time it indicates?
10:22
